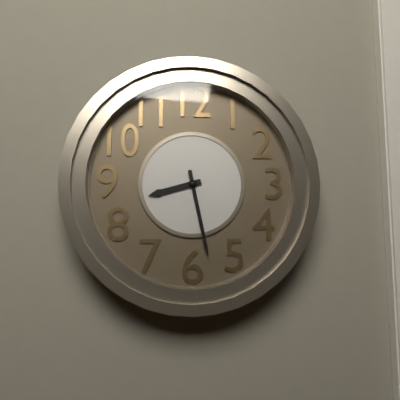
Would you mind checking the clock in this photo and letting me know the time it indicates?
8:28
